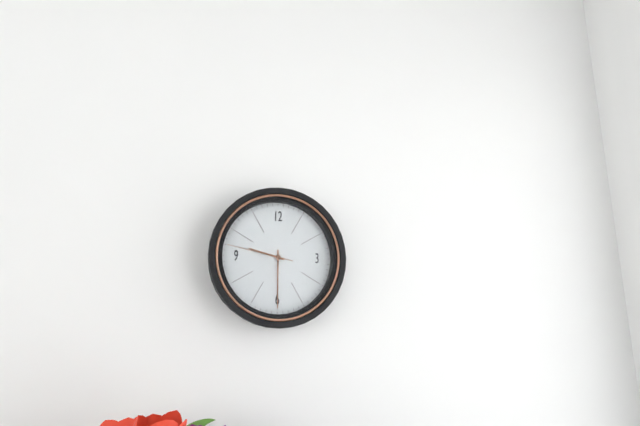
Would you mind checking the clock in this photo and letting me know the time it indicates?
9:30:47
